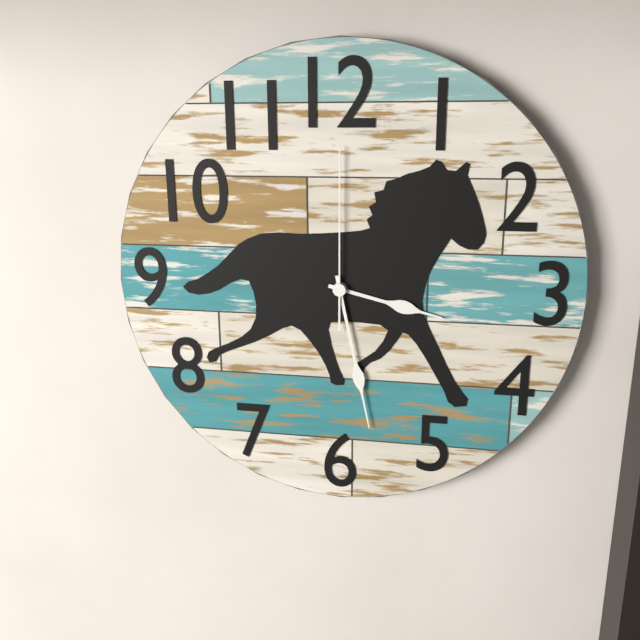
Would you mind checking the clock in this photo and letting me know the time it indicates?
3:28:00
